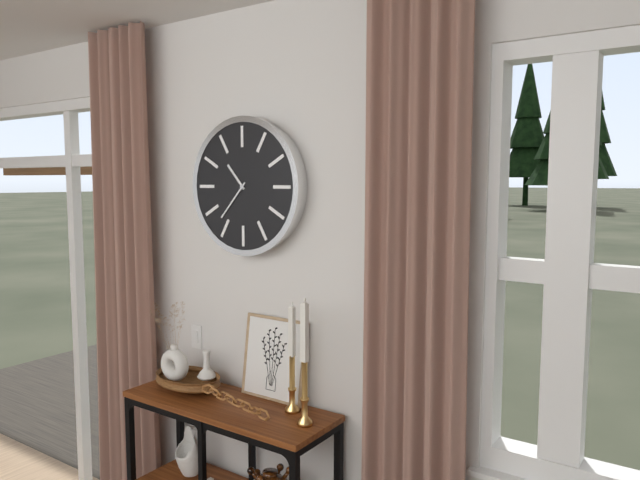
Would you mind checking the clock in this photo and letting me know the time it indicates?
10:37
